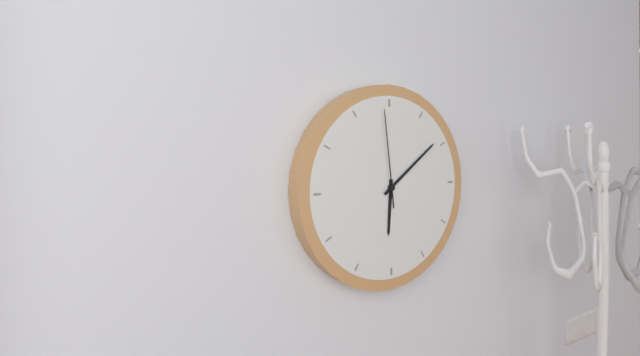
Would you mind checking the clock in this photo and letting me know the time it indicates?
6:09:59
